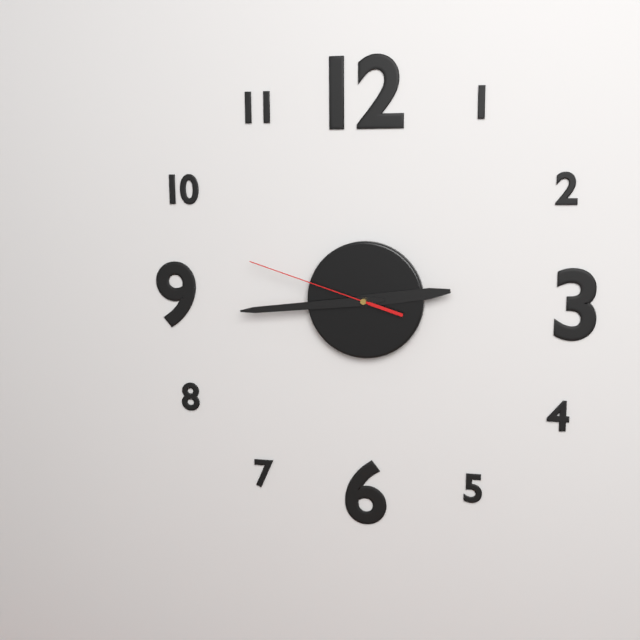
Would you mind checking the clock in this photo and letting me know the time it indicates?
2:44:48
